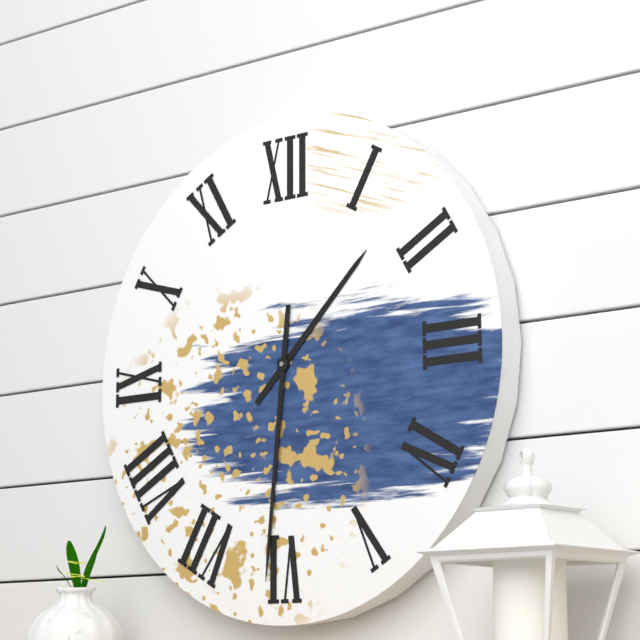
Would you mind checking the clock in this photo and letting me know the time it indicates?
1:31
